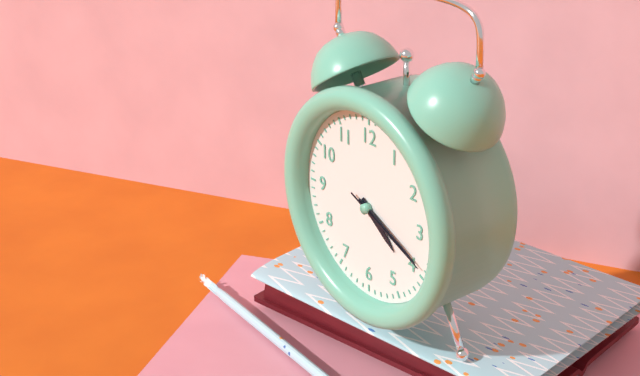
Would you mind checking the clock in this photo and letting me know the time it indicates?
4:19:19
